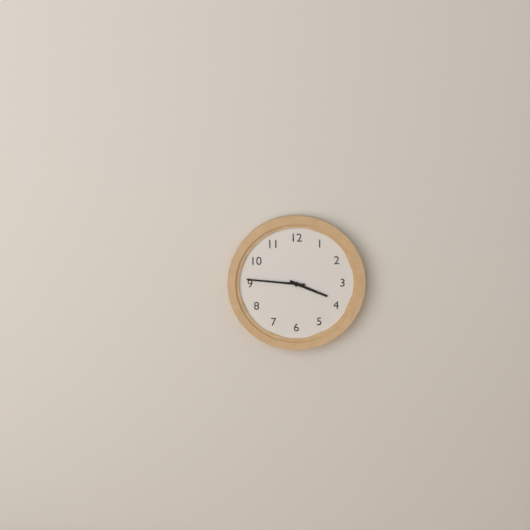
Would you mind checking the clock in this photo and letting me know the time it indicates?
3:46
